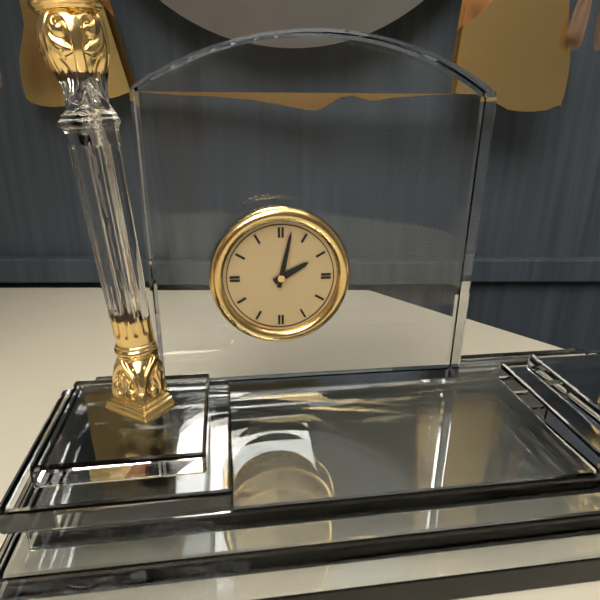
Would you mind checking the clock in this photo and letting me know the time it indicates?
2:02
